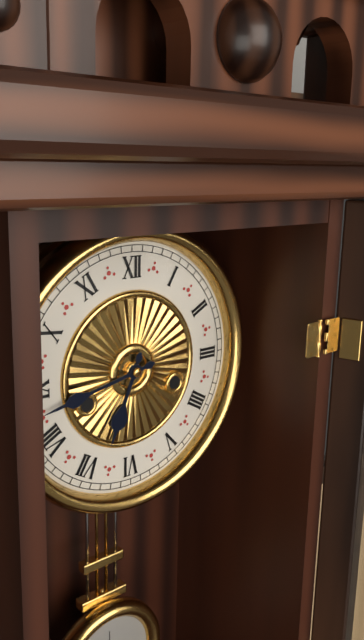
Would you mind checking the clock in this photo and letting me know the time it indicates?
6:43
